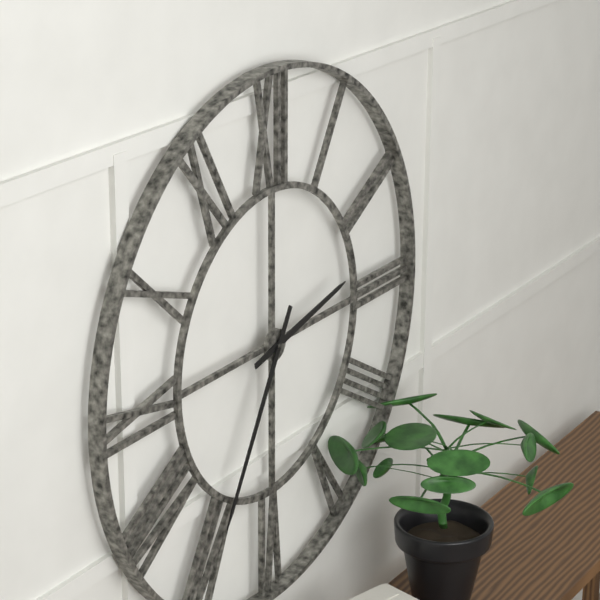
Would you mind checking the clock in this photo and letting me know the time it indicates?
2:35
